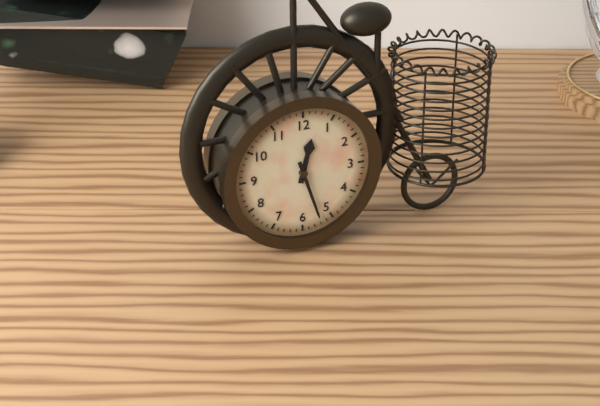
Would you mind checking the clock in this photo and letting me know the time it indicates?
12:27
